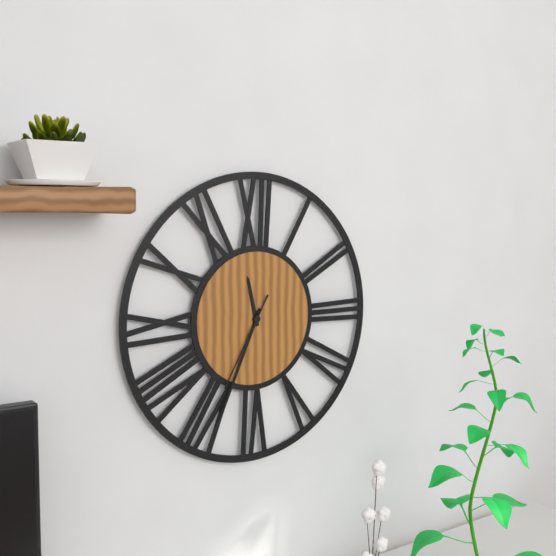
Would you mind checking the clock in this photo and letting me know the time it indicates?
11:34:35
